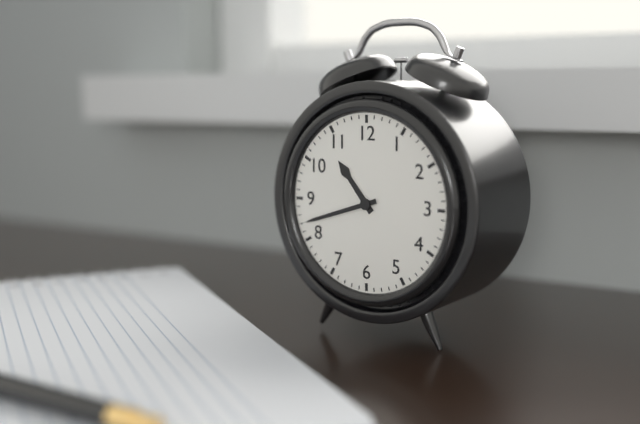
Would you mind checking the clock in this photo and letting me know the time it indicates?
10:42
